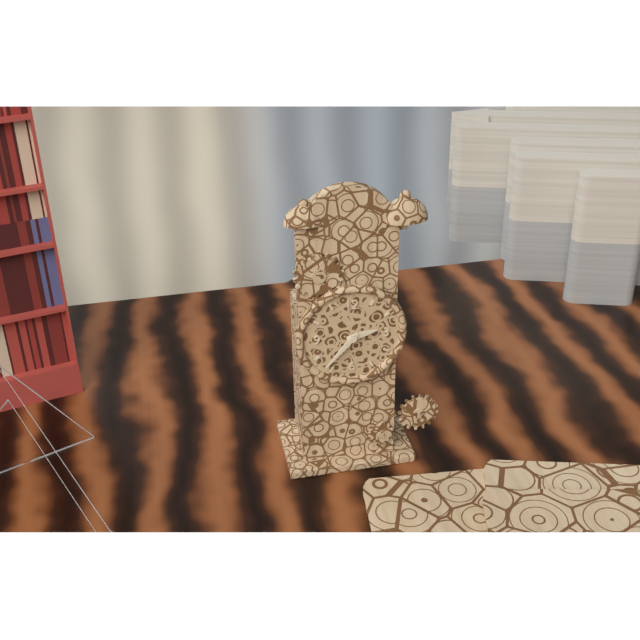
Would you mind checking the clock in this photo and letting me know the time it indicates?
2:37
